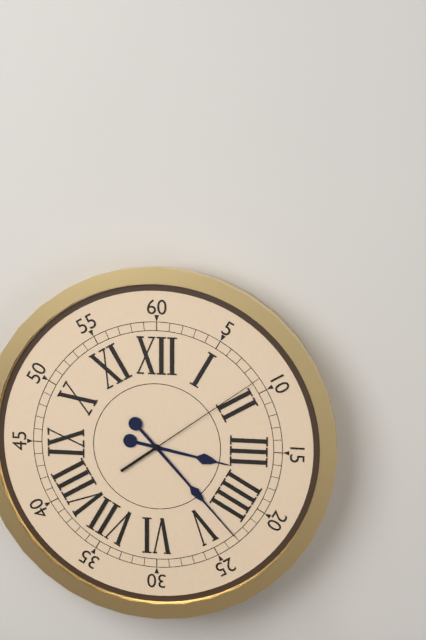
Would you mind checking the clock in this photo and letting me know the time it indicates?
3:23:09
